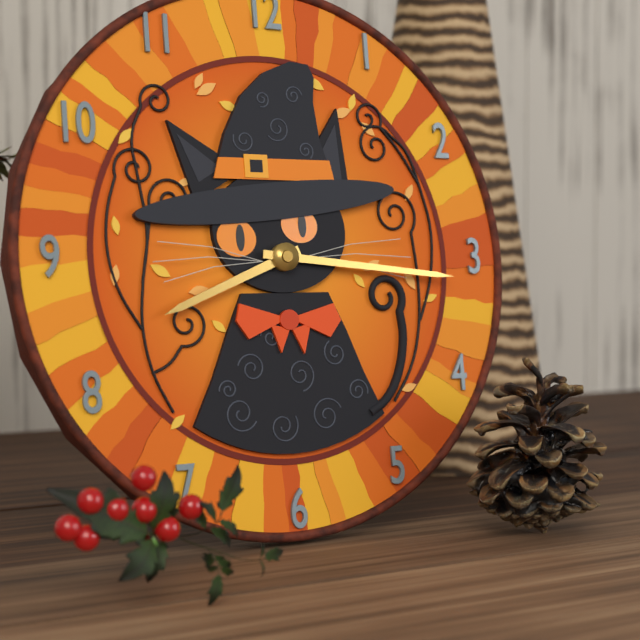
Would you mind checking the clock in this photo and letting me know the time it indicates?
8:16
